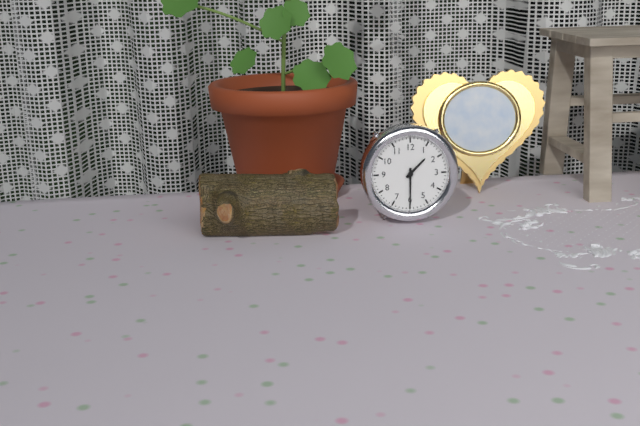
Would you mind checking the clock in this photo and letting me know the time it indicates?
1:30
